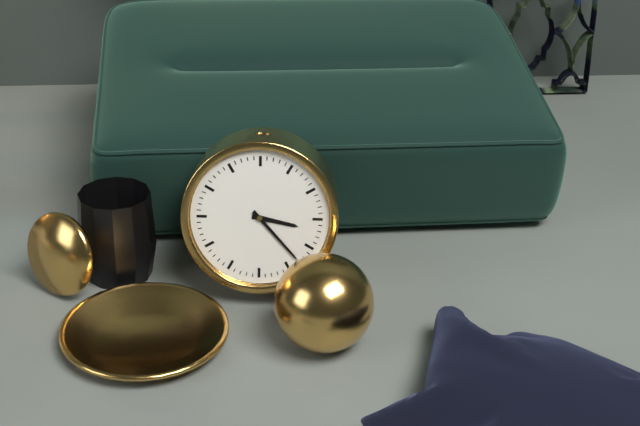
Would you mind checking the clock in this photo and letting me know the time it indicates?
3:23
